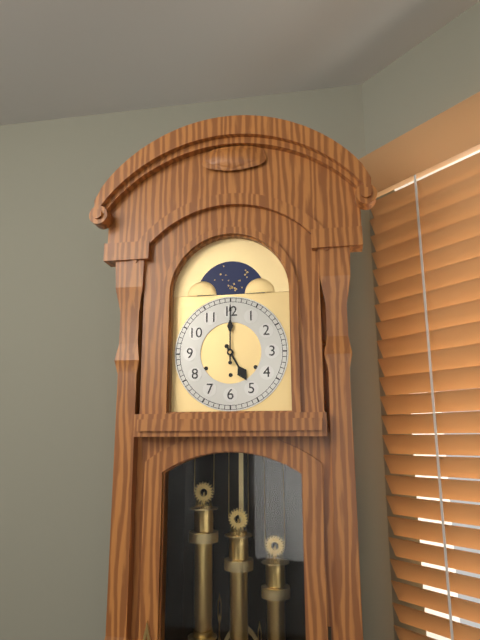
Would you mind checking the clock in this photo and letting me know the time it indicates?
5:00
